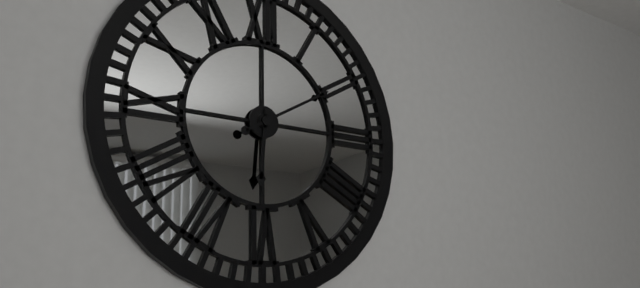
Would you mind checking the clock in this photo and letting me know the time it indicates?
6:10
